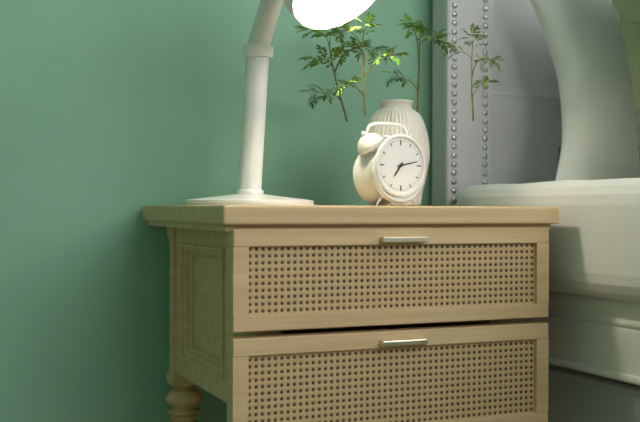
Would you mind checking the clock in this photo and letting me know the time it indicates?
7:13
